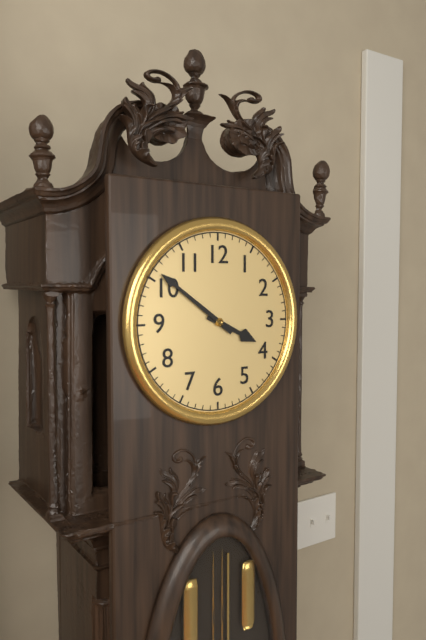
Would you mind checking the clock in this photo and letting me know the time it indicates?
3:51
